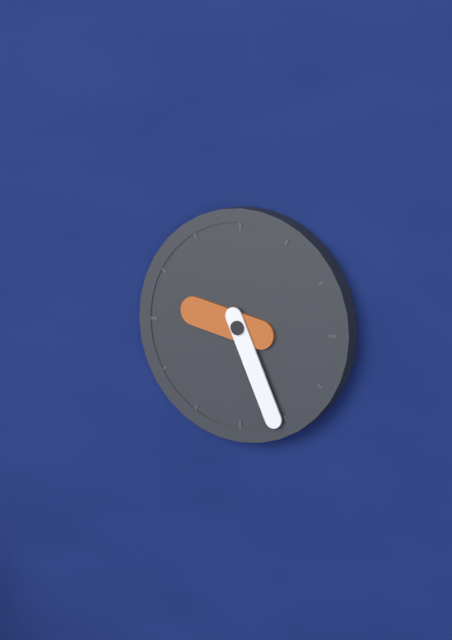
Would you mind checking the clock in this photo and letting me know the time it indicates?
9:26
